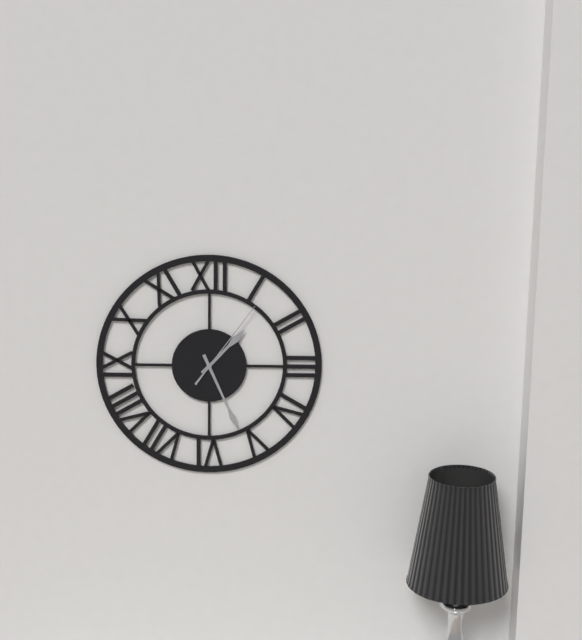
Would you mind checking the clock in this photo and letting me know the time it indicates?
1:26:06
